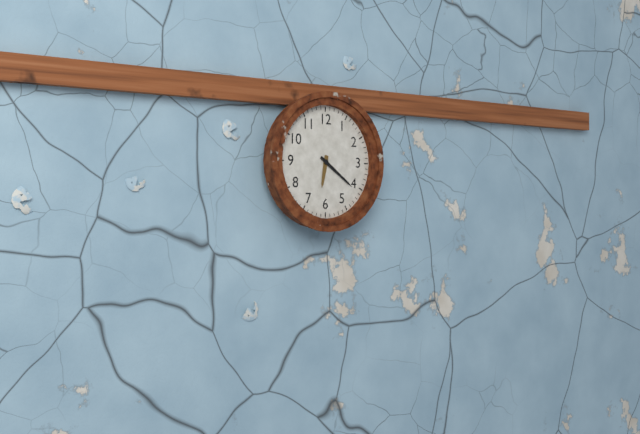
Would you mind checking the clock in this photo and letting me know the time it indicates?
6:21
